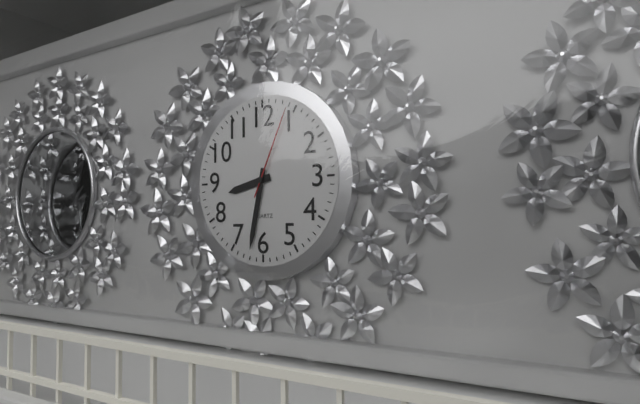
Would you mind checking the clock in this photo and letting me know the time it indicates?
8:32:04
